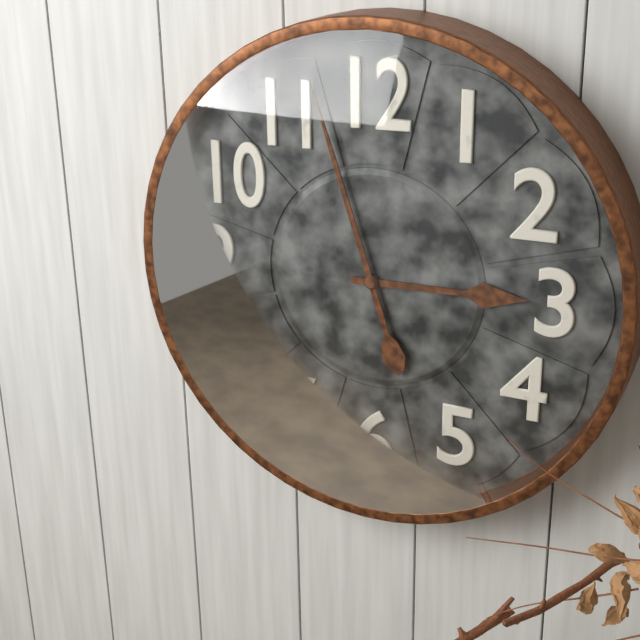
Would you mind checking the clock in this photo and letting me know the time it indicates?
2:57
